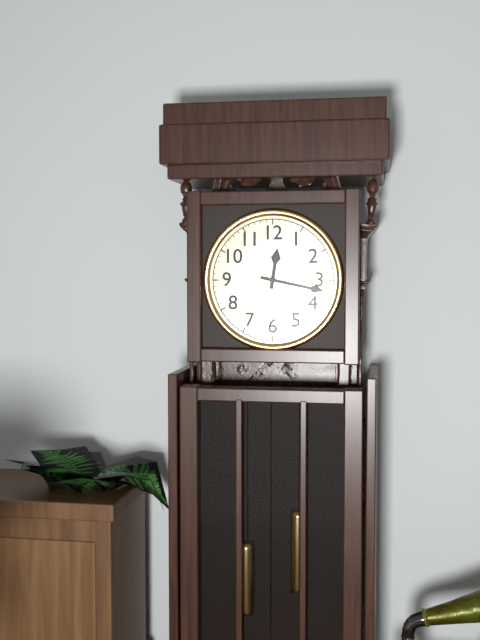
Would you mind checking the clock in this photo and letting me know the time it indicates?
12:17
